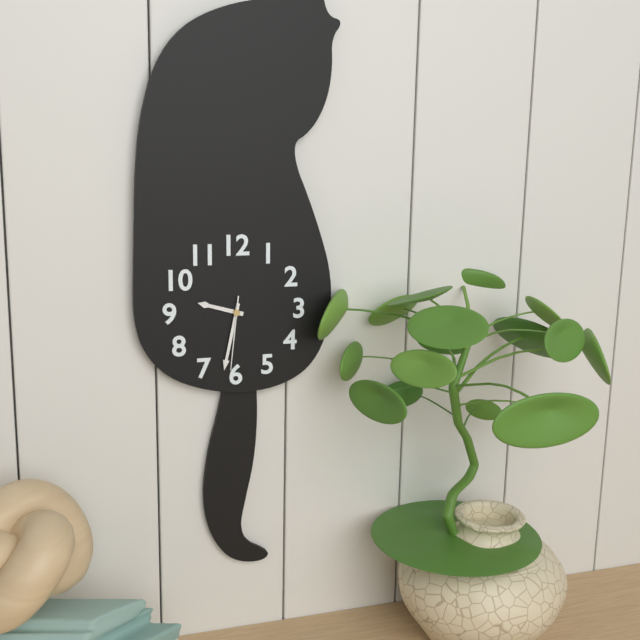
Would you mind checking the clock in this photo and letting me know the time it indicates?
9:32:31
